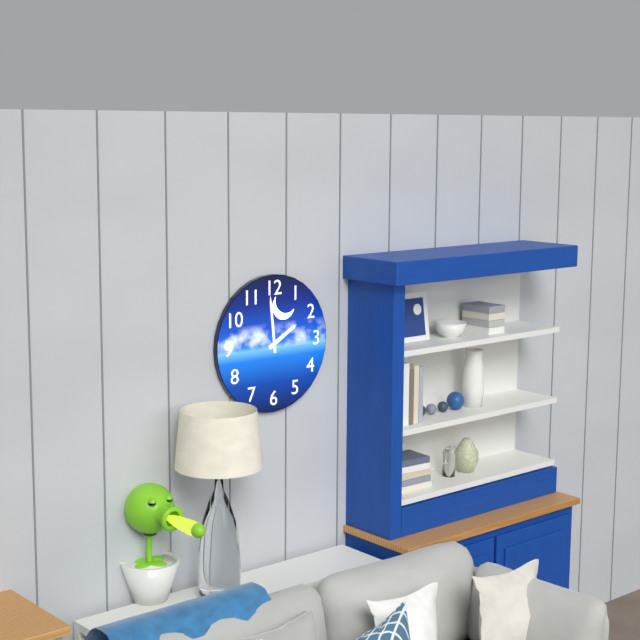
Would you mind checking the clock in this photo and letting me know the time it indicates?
1:59
